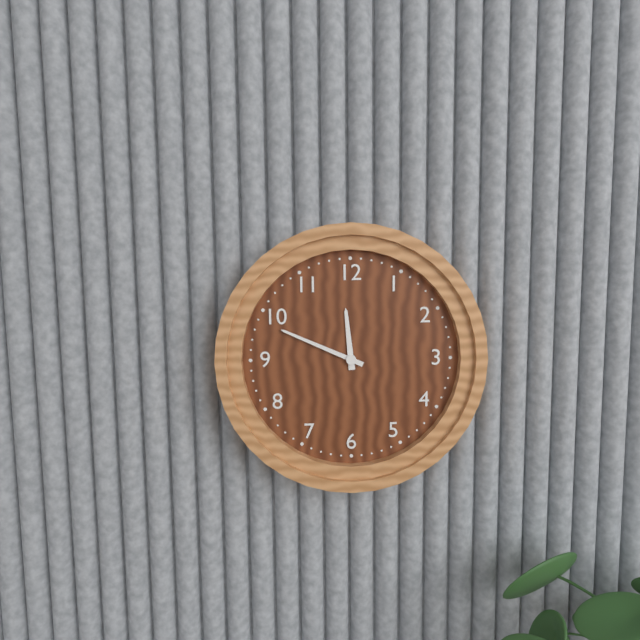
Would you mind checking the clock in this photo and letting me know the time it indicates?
11:49
